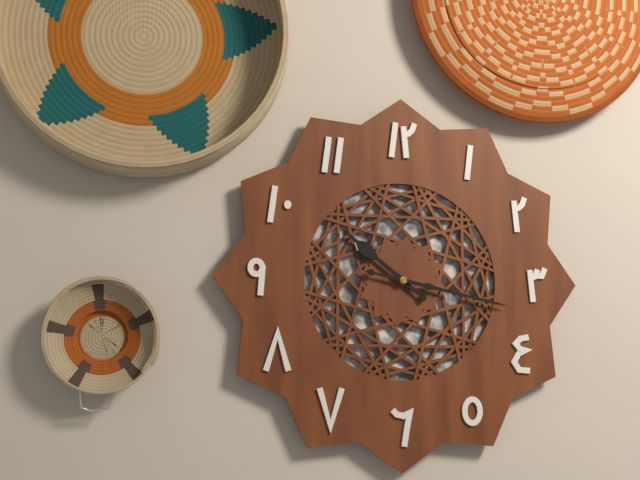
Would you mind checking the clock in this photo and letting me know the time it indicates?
10:17
